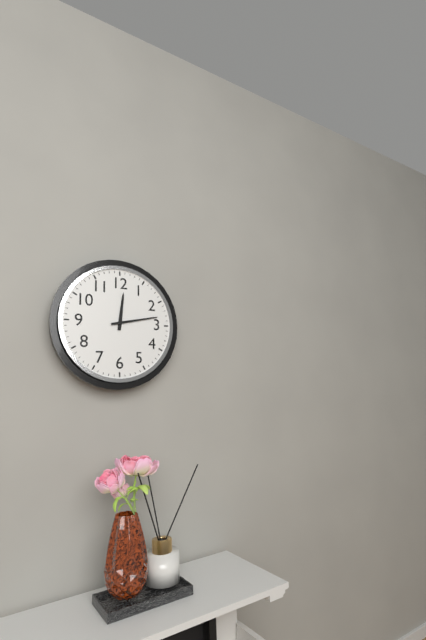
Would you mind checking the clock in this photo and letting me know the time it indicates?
12:13
